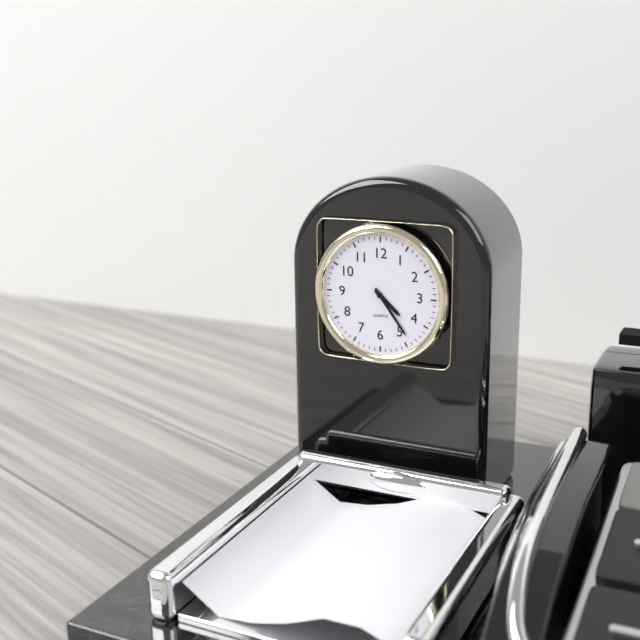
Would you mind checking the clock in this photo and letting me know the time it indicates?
4:24
